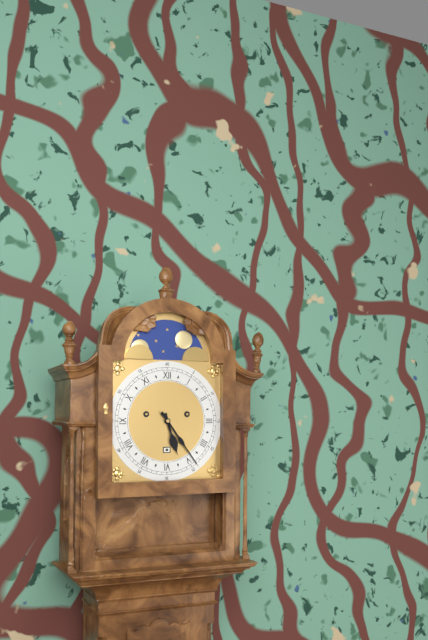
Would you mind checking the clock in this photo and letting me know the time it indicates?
5:24
